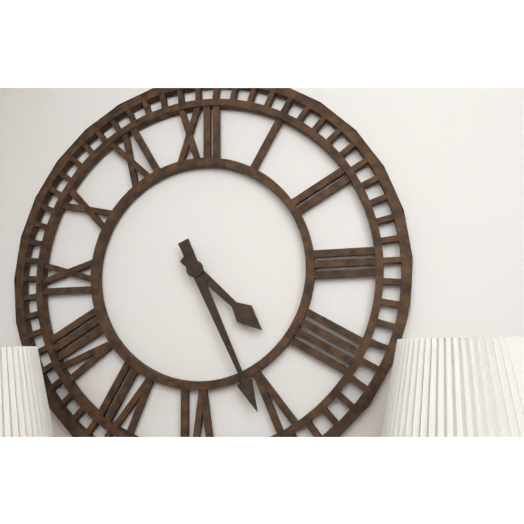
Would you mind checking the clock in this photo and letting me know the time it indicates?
4:26
